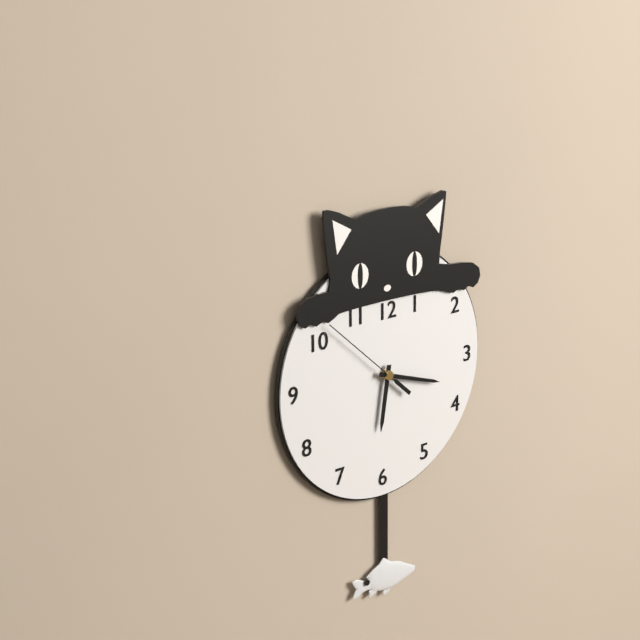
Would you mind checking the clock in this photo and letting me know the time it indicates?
6:18:52
